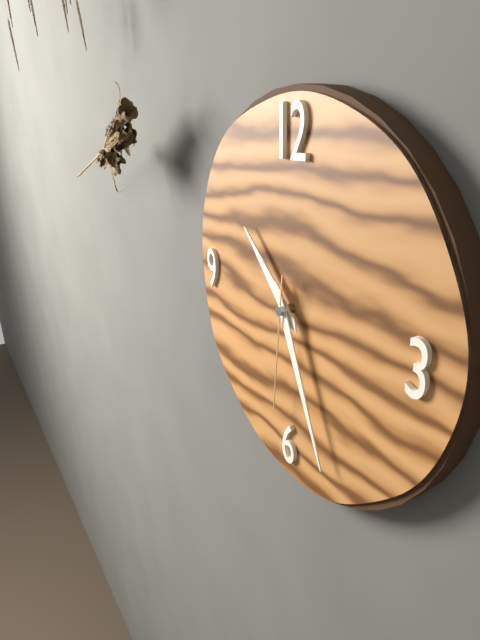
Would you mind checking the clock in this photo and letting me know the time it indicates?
10:26:31
